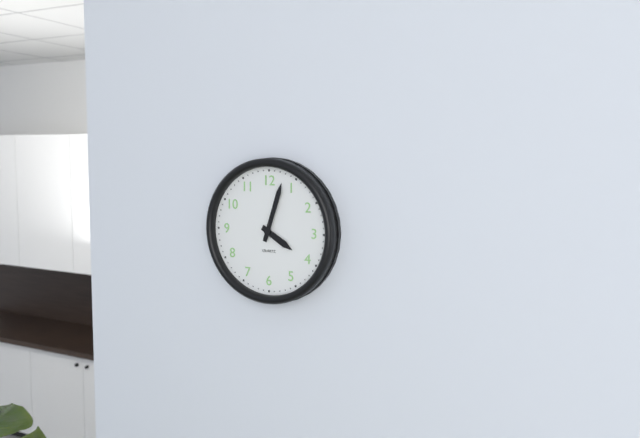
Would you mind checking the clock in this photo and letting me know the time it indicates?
4:03
